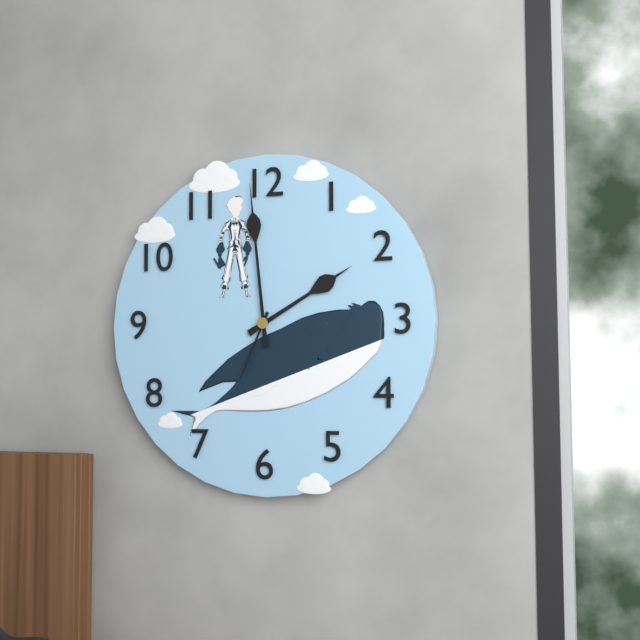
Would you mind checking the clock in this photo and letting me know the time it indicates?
1:59:34
